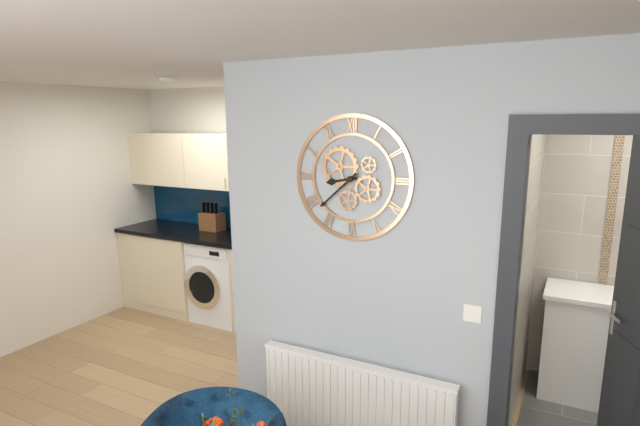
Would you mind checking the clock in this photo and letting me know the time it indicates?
8:38
